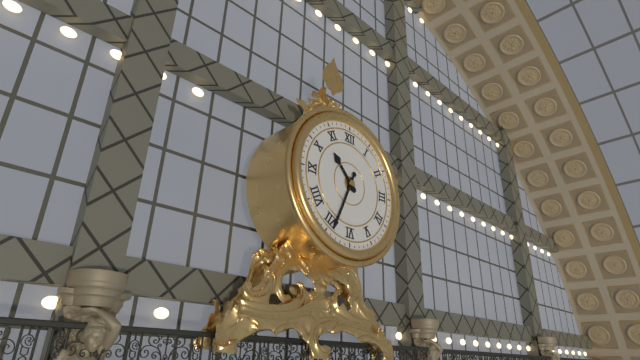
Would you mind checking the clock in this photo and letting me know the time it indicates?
10:34
